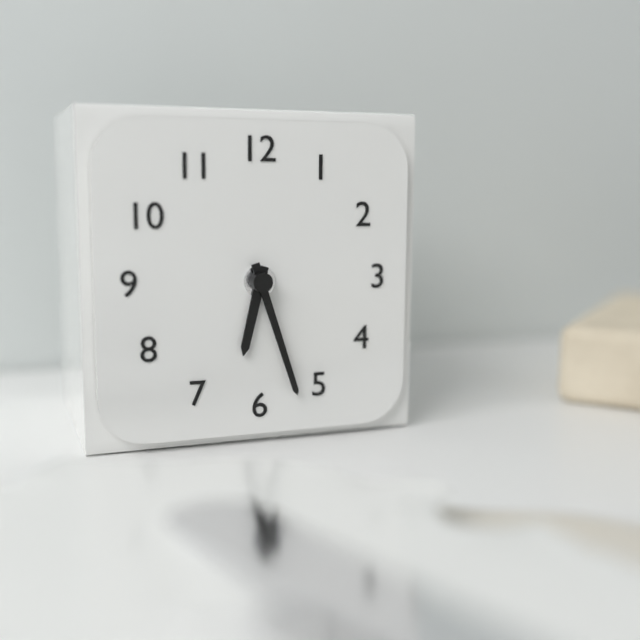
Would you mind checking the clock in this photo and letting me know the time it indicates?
6:27
